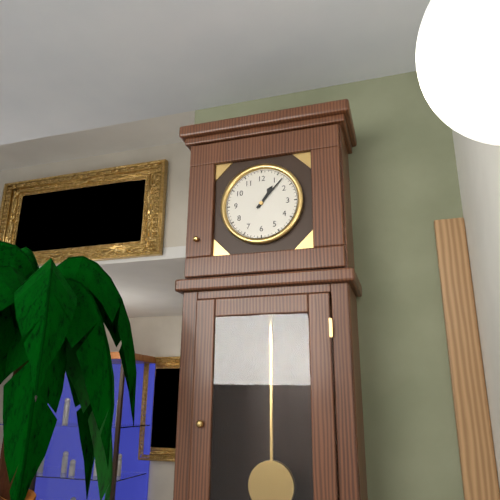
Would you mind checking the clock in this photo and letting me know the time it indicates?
1:07
